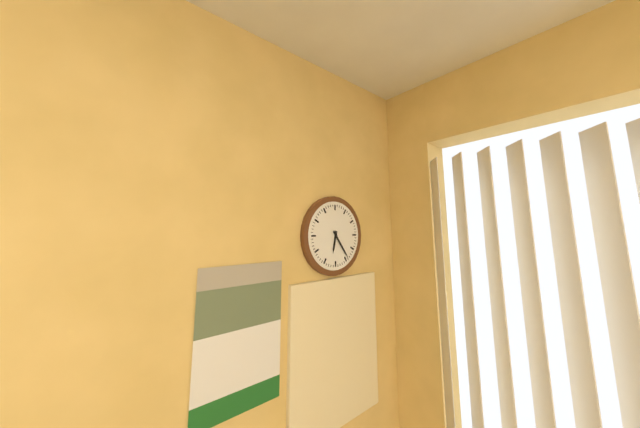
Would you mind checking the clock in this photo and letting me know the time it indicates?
6:24
